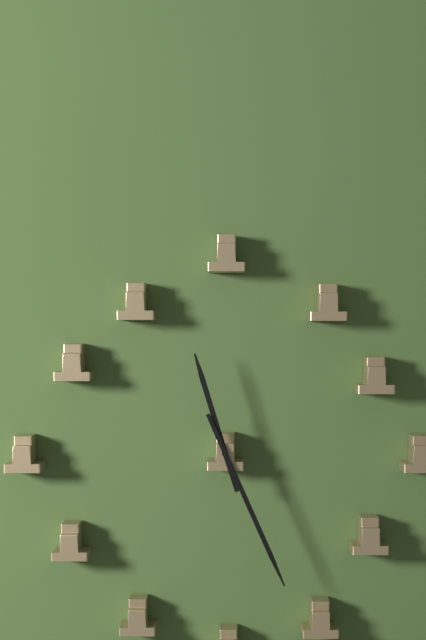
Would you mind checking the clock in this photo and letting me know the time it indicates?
11:26
